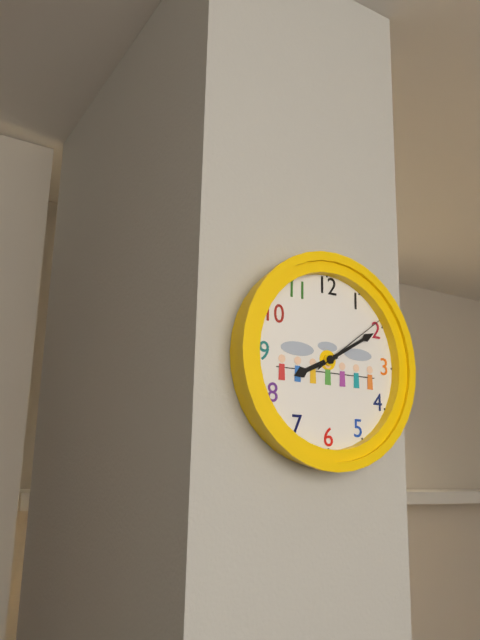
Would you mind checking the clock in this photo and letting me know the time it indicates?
8:10:09
